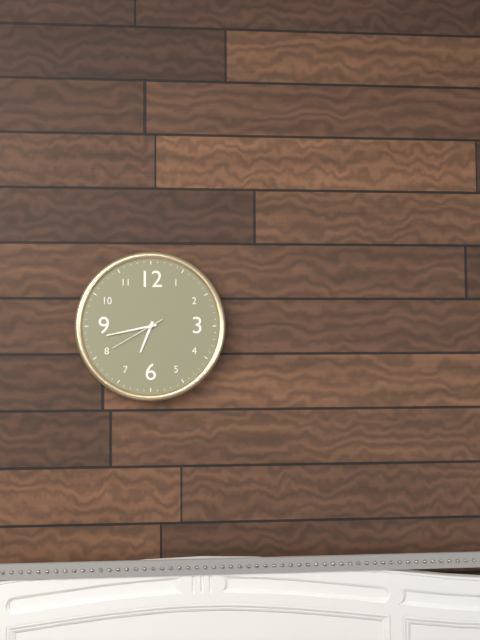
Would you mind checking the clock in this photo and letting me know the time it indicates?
6:43:40
